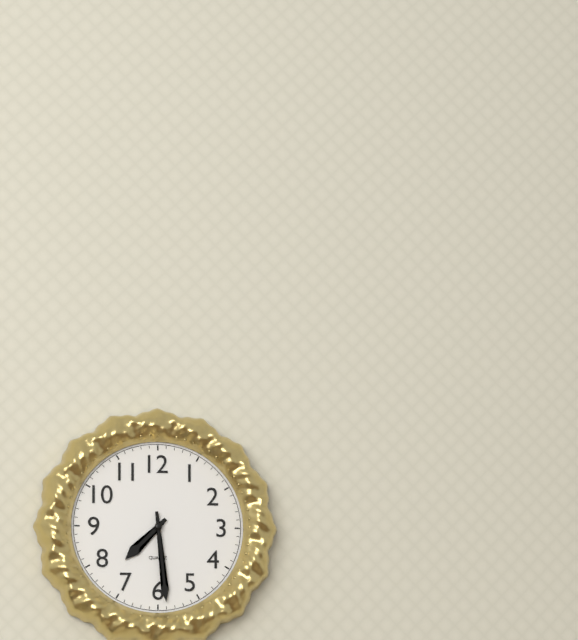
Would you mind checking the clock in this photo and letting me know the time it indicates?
7:29
